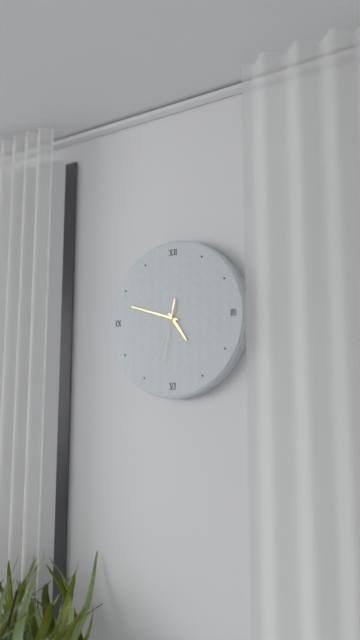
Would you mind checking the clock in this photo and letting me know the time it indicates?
4:48:32
